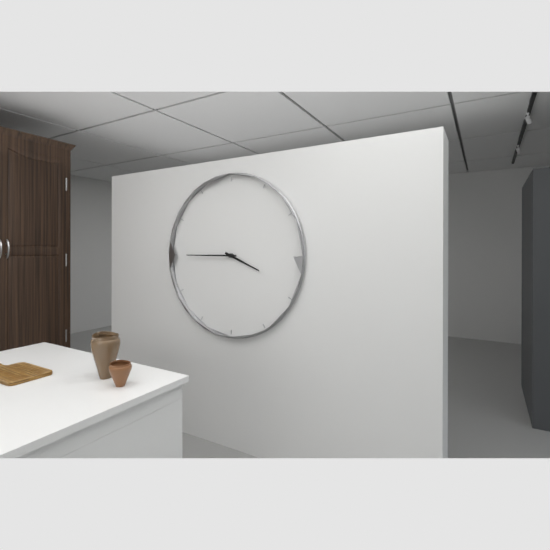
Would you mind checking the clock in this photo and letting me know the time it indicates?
3:45
